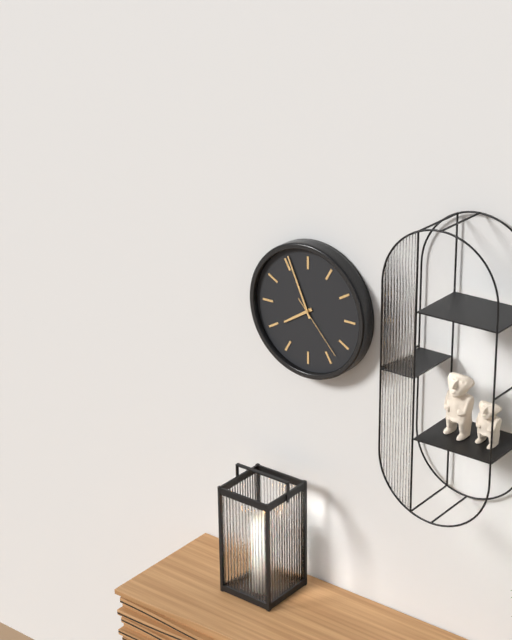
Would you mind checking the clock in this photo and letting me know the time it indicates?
7:56:23
